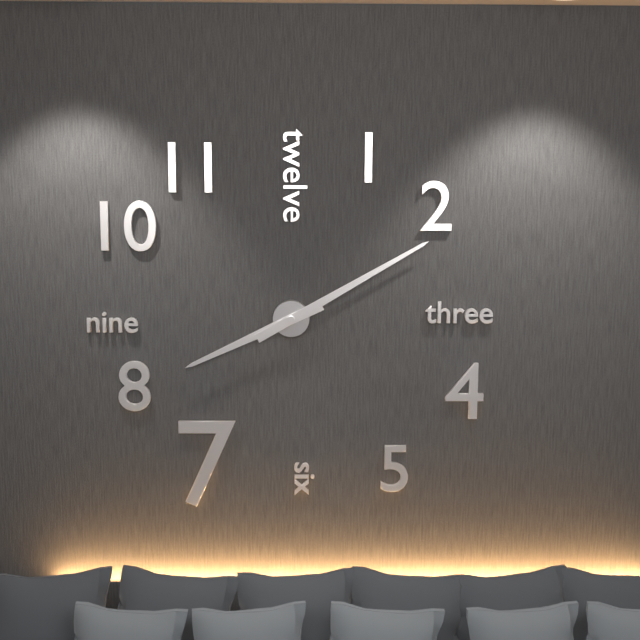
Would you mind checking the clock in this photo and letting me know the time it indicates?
8:10
